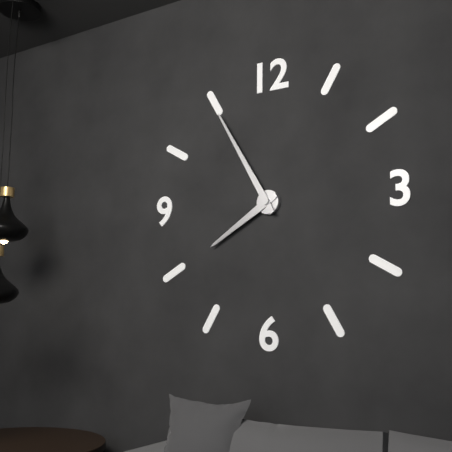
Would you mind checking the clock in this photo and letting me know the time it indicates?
7:55
